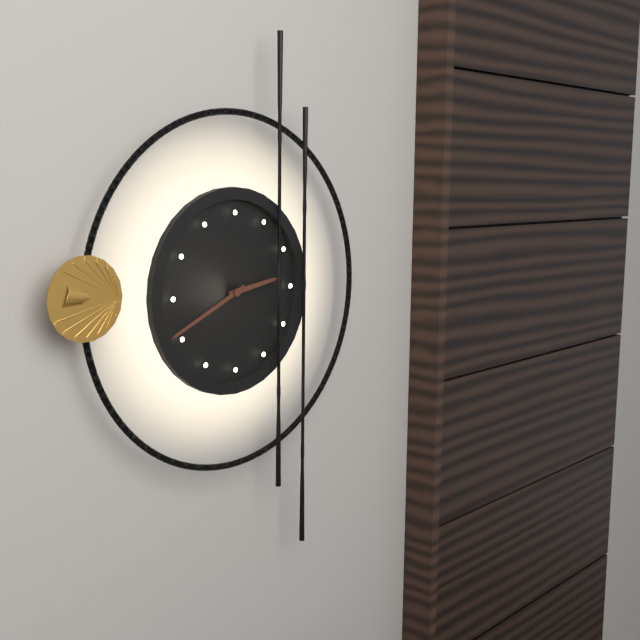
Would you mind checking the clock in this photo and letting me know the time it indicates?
2:41
